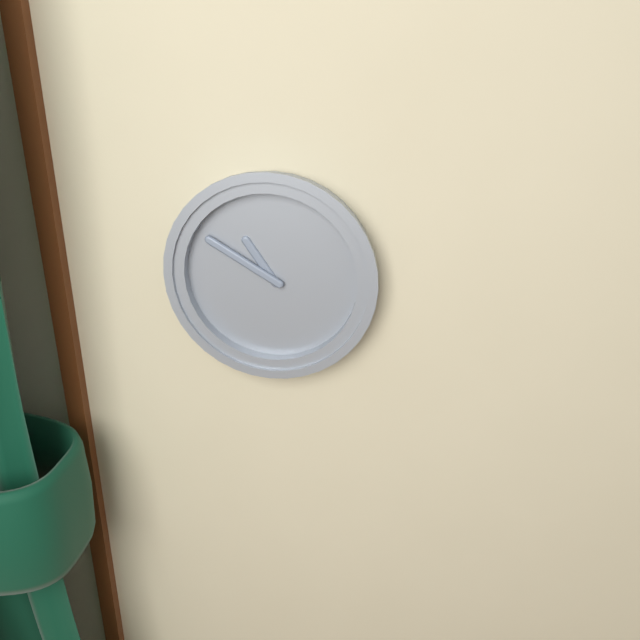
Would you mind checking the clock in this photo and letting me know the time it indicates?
10:50
